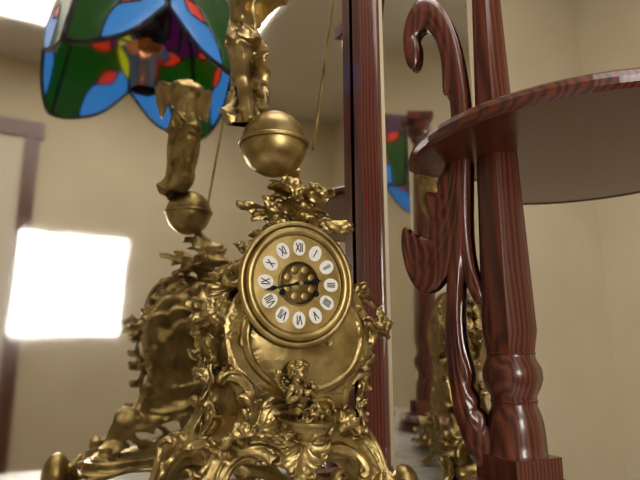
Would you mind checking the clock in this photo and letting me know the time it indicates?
2:43
